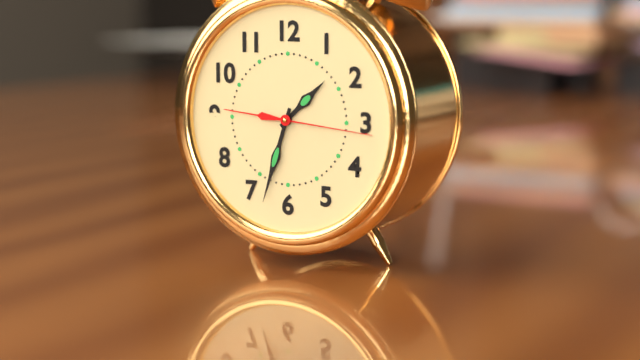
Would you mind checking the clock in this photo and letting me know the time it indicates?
1:33:16
